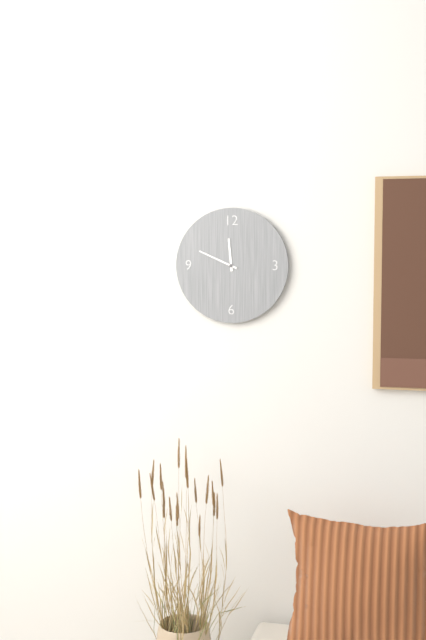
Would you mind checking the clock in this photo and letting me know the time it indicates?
11:49
